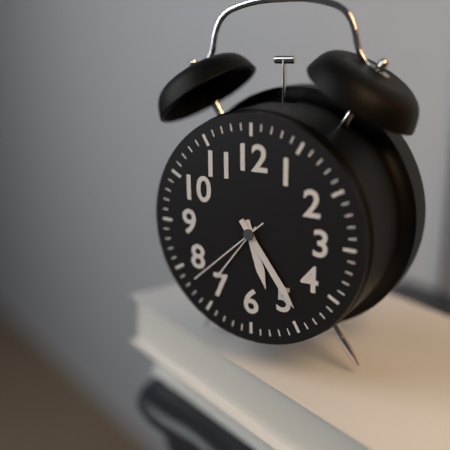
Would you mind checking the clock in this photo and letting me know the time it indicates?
5:24:38
